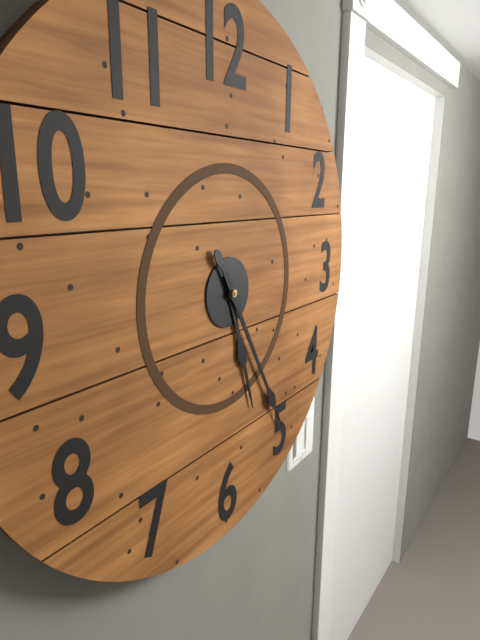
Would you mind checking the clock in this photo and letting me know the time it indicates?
5:25
